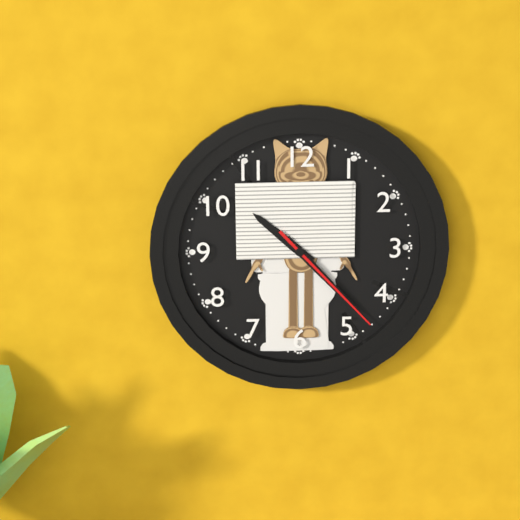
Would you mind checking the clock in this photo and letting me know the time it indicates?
10:23:23
